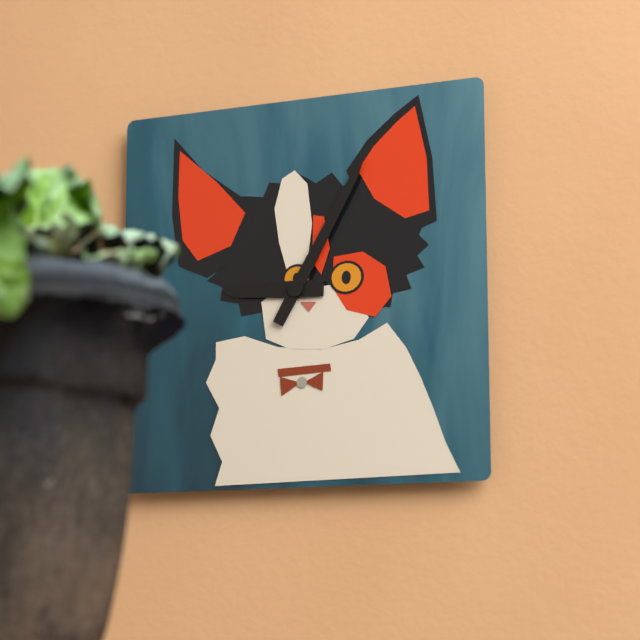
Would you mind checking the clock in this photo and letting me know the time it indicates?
9:05
